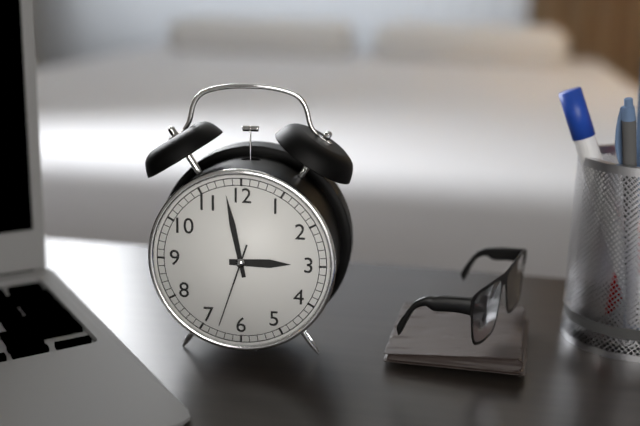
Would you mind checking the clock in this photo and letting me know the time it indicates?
2:58:33
